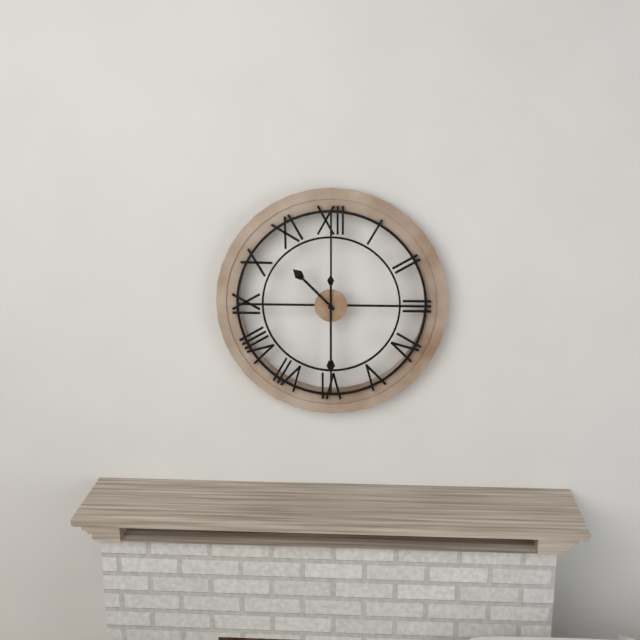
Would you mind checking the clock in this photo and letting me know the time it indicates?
10:30
